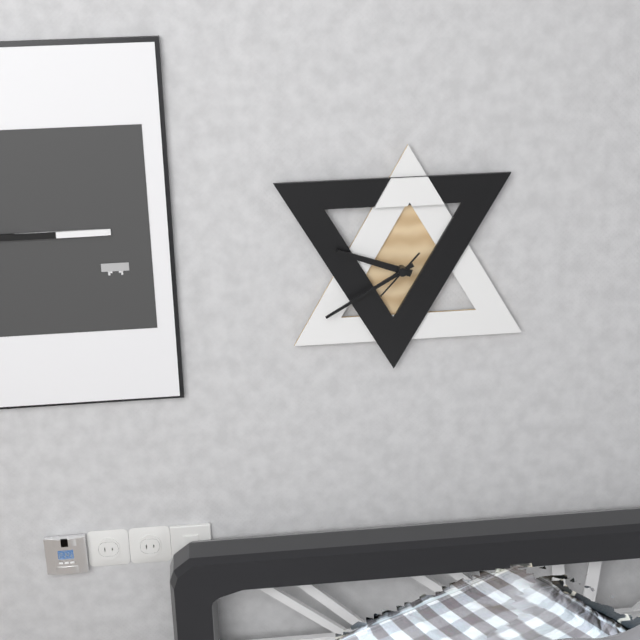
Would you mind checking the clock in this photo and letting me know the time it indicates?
9:40
